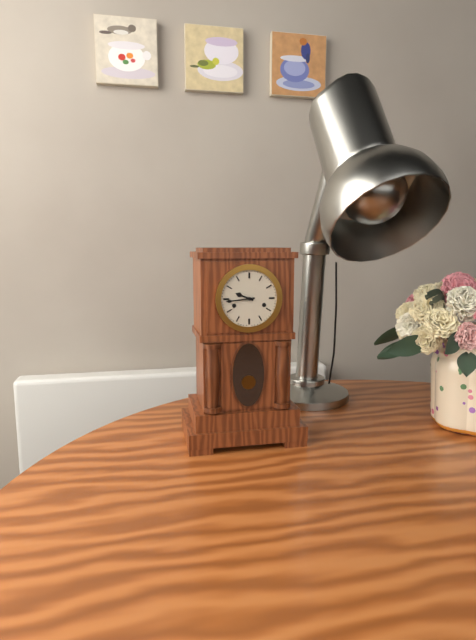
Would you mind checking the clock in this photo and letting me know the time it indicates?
9:44
